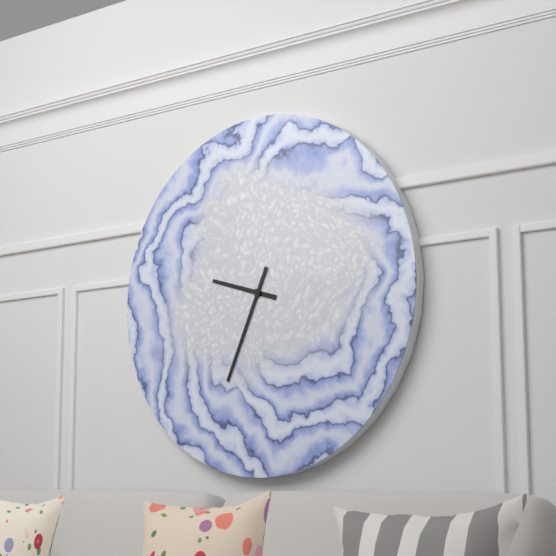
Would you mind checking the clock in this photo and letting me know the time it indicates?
9:34
